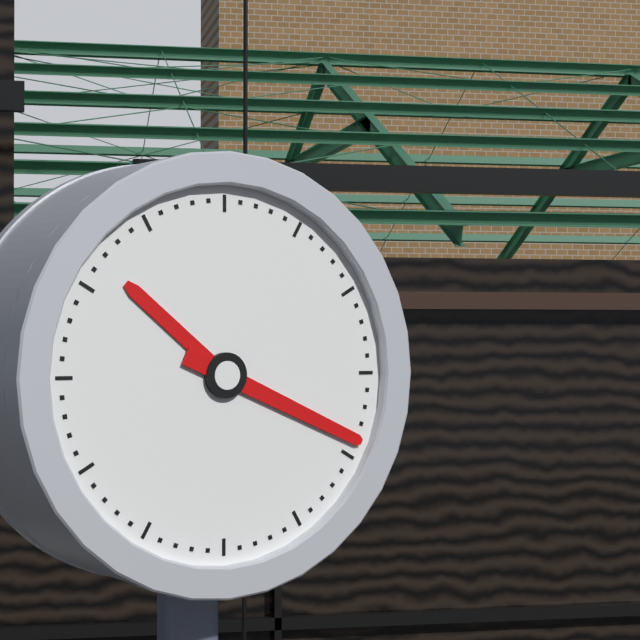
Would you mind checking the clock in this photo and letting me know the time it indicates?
10:19
